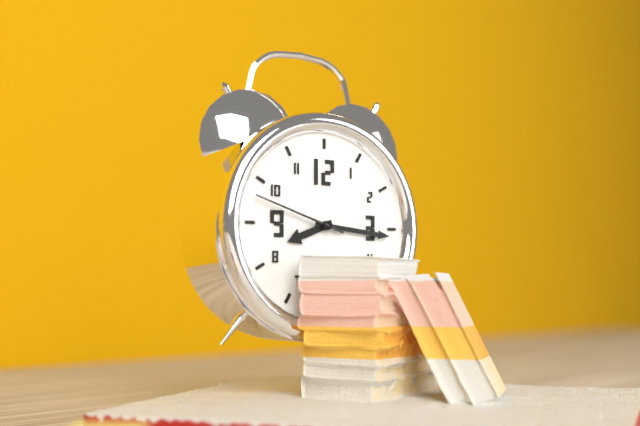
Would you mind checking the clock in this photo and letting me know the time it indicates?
8:16:48
